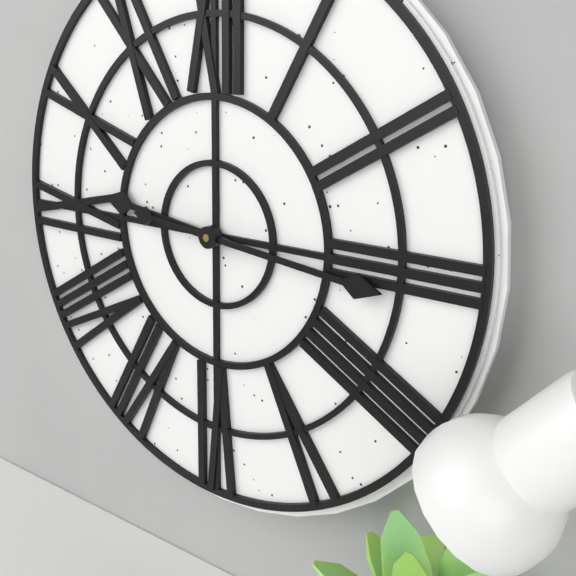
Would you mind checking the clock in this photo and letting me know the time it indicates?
9:16
